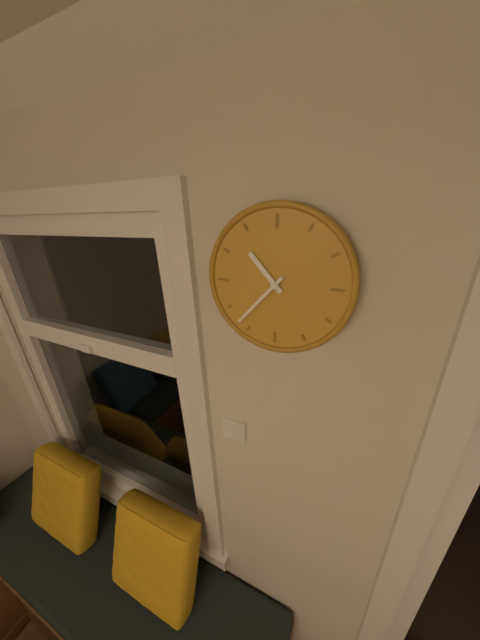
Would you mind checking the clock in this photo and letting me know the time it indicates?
10:37
